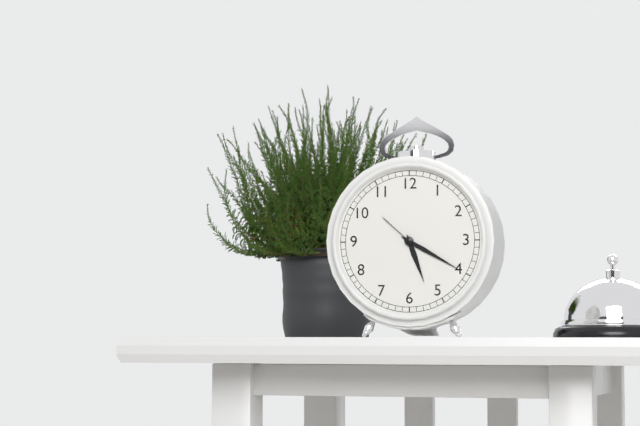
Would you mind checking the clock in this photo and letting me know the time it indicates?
5:20
